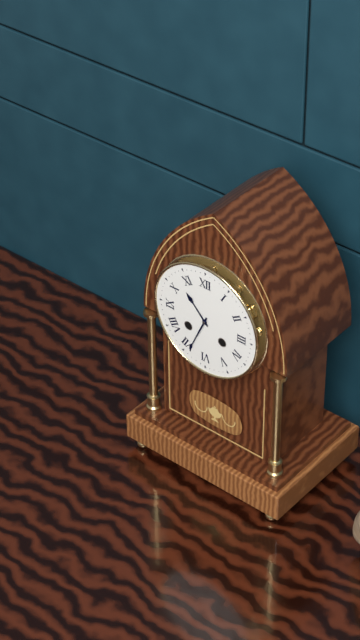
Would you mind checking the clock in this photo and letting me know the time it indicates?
10:34
